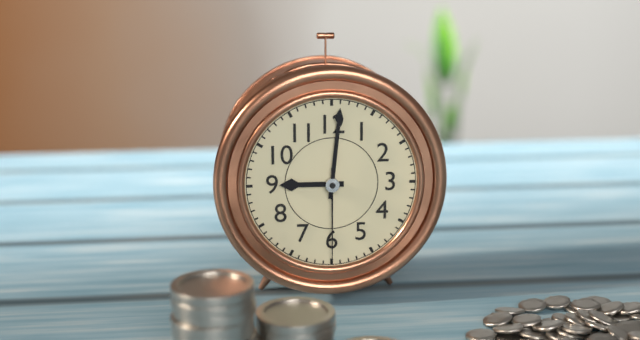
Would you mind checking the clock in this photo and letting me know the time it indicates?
9:01:30
